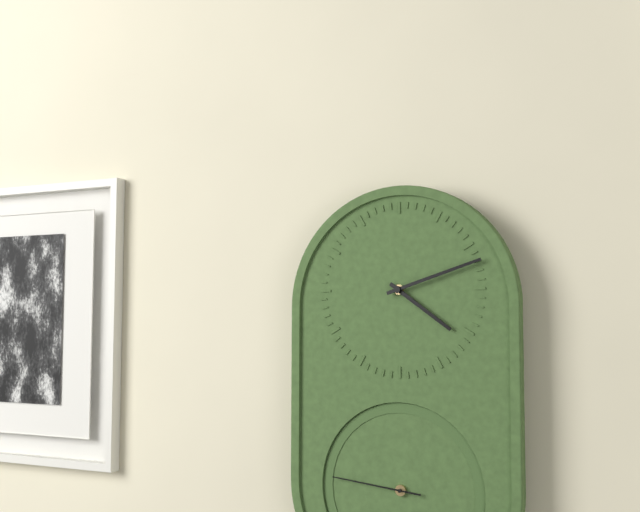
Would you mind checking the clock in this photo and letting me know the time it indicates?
4:12:46
